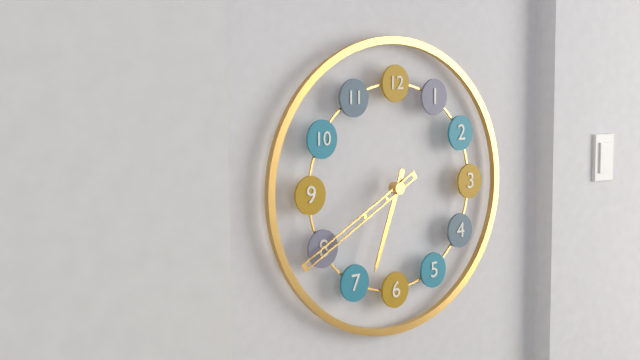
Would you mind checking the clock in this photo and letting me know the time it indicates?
6:40
